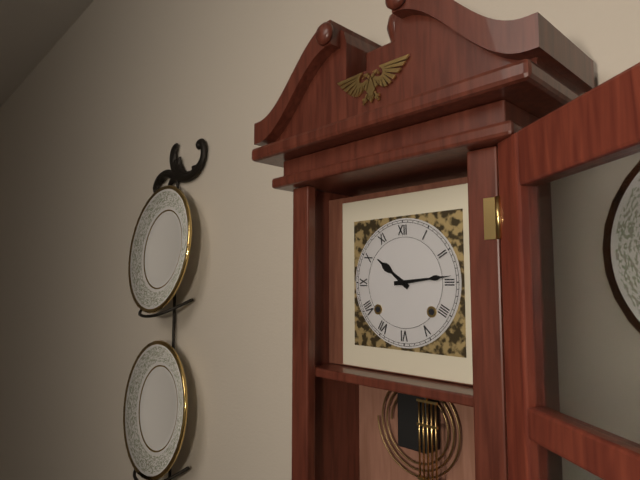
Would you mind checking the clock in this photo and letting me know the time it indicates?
10:14
